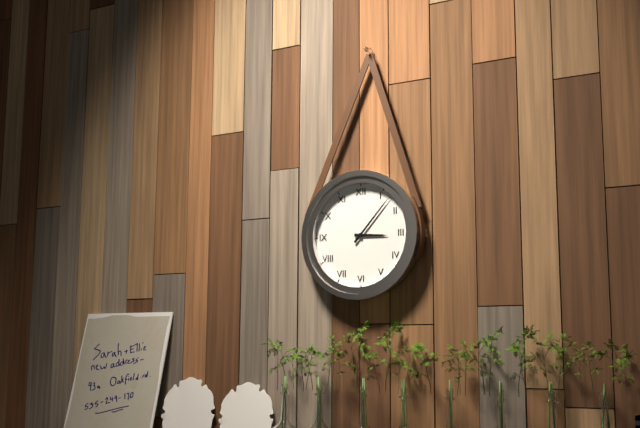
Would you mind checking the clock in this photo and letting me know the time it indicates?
3:07
